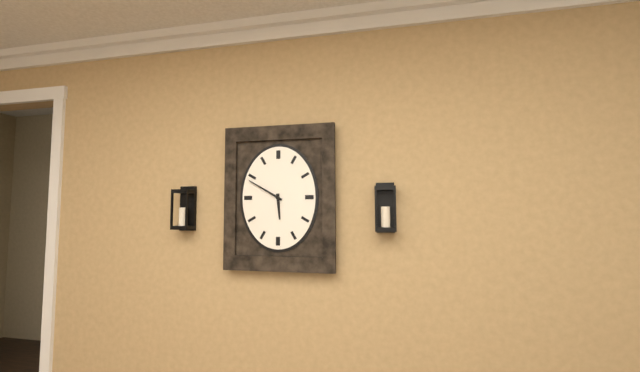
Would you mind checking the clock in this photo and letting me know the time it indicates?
5:50
